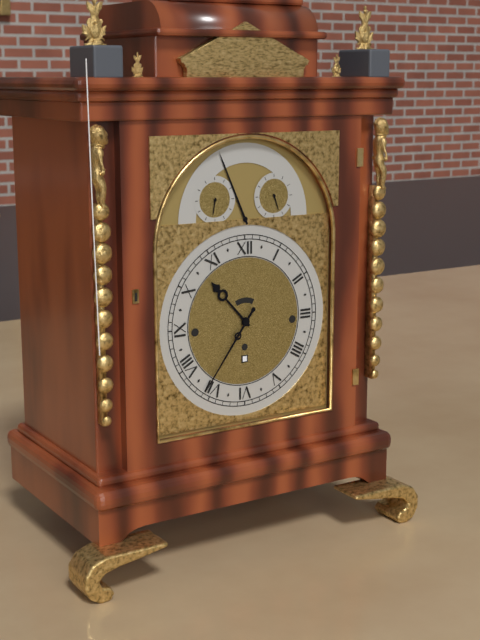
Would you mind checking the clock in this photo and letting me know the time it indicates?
10:36
